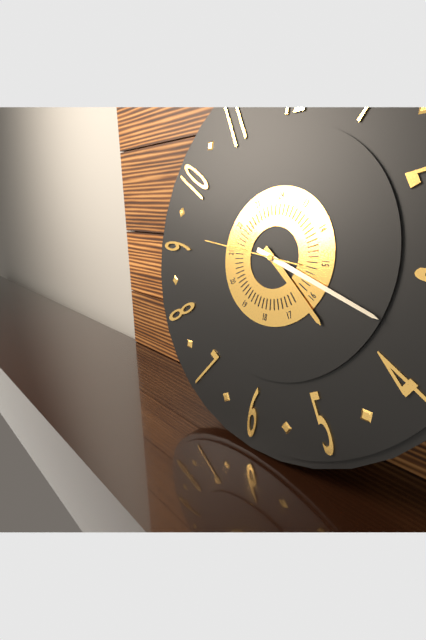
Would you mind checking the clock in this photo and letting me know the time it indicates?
4:18:46
